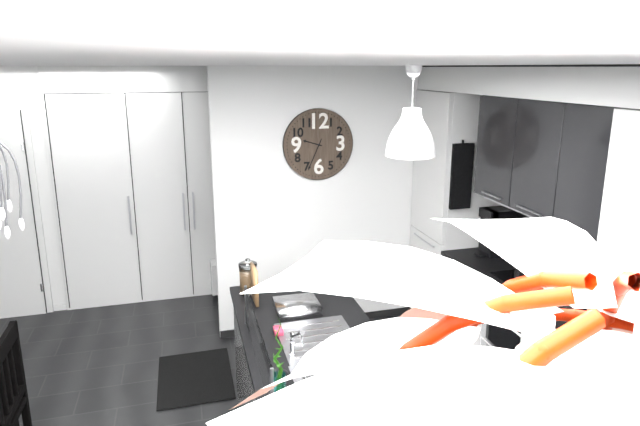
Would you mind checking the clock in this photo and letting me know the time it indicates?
9:34
